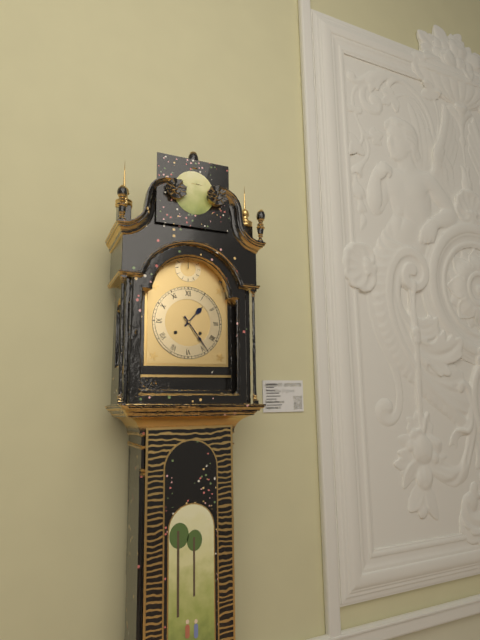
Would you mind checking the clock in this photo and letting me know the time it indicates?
1:24
